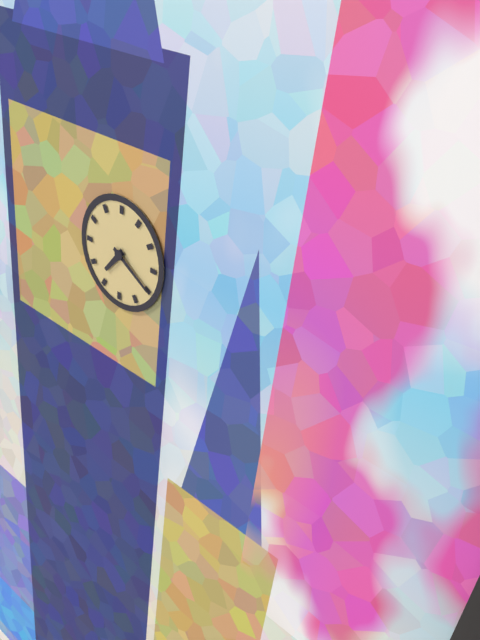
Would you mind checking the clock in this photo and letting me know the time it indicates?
7:20
